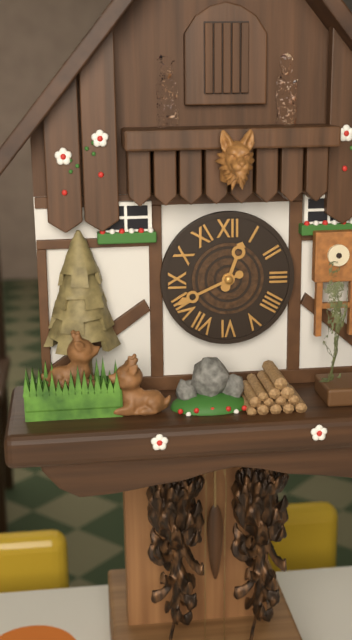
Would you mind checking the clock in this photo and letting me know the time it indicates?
12:41
